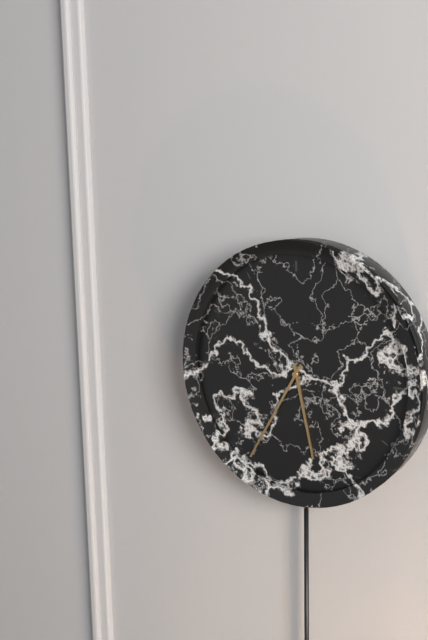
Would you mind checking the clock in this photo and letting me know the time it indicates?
5:35
